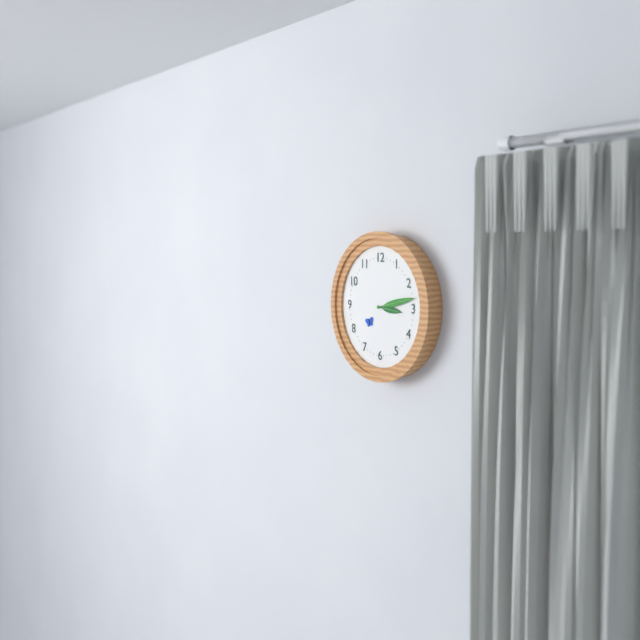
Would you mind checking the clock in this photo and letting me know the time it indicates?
3:13
